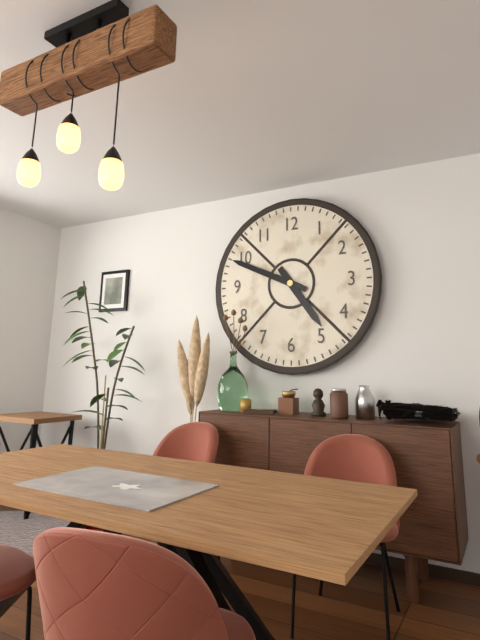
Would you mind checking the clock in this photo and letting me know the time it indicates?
4:49
